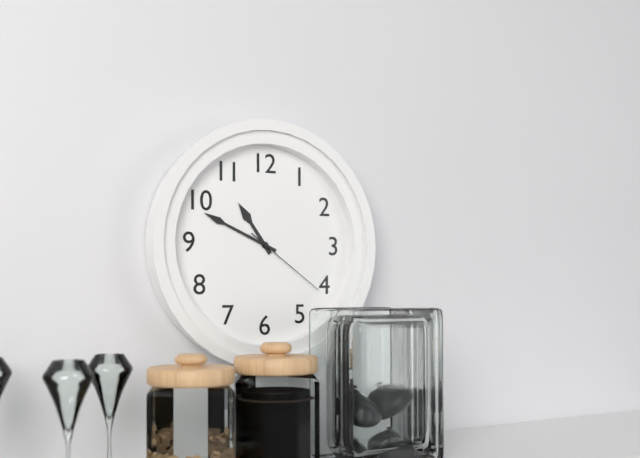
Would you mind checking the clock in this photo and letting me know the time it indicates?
10:49:21
